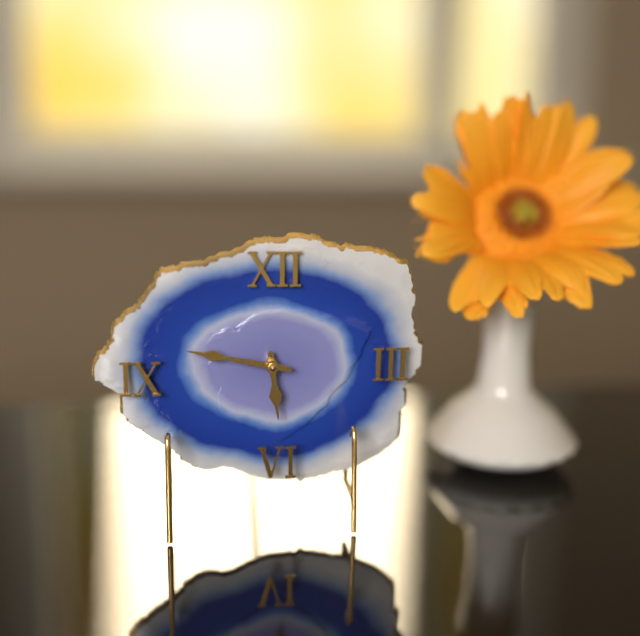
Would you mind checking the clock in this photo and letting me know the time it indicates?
5:47
